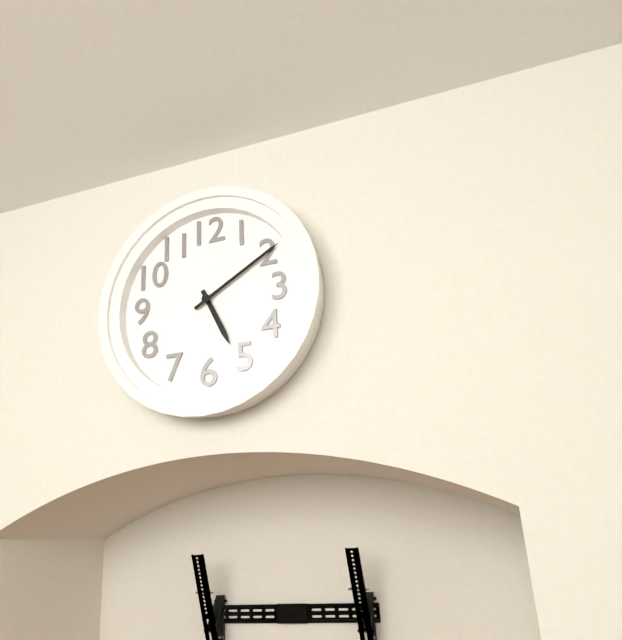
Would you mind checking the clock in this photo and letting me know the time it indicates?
5:10
